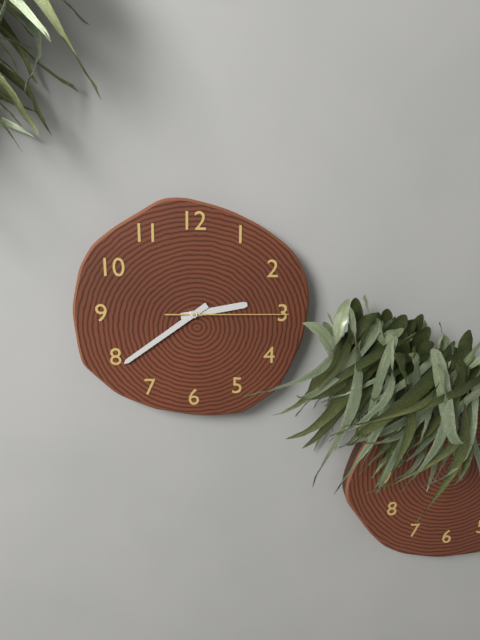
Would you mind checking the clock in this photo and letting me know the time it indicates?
2:39:15
